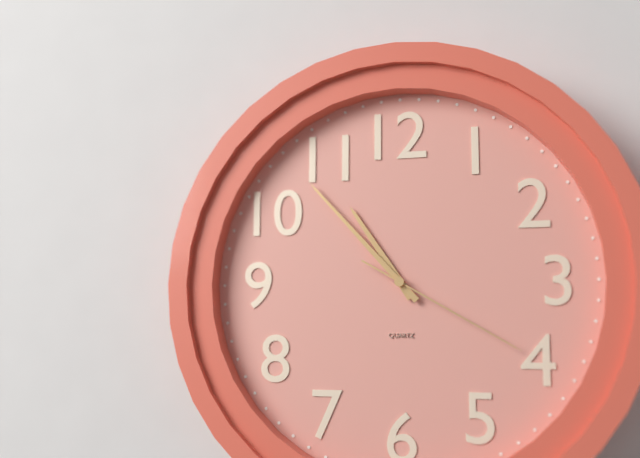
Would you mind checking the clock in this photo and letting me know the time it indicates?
10:53:20
